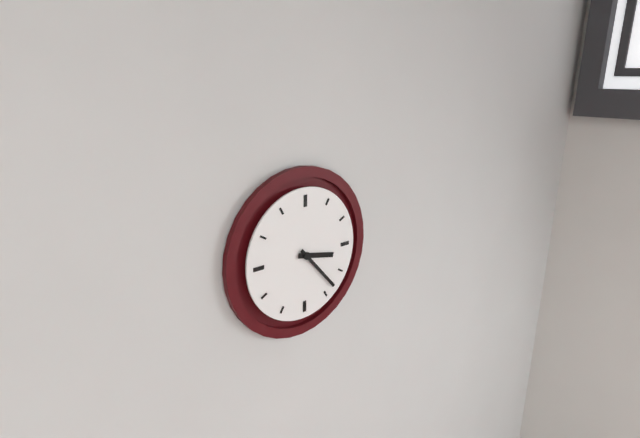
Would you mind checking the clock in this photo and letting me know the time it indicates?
3:23
